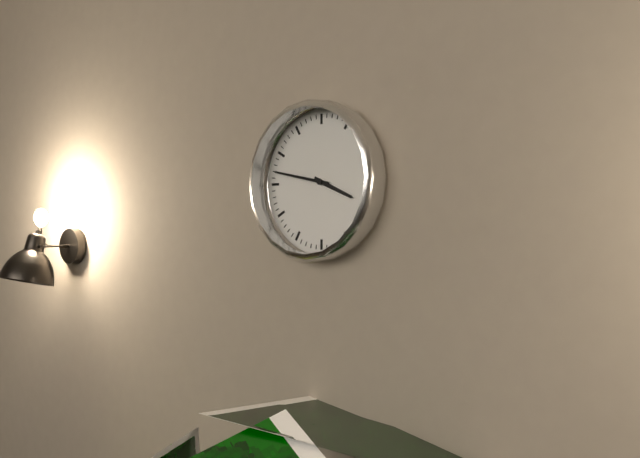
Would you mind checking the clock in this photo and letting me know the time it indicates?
3:47
